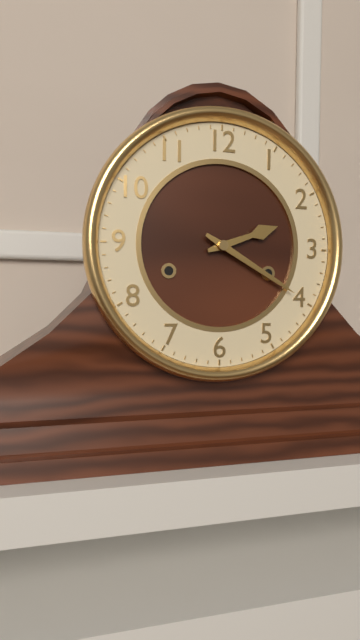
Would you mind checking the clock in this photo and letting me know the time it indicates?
2:20
